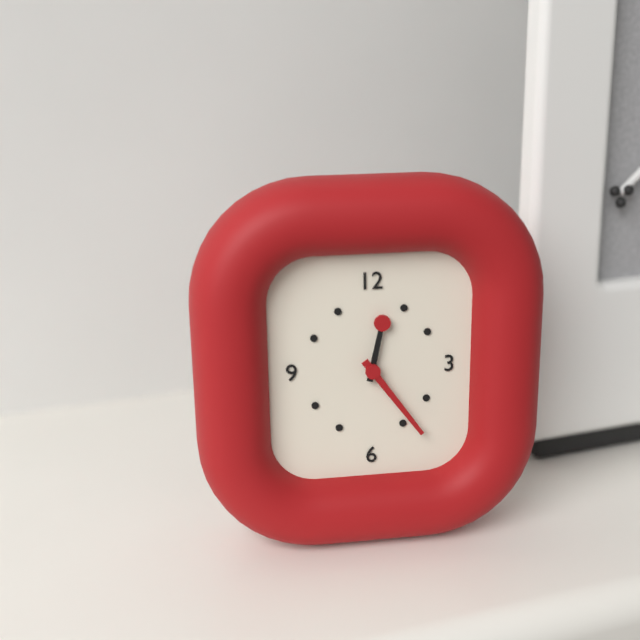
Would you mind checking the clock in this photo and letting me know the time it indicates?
12:24
